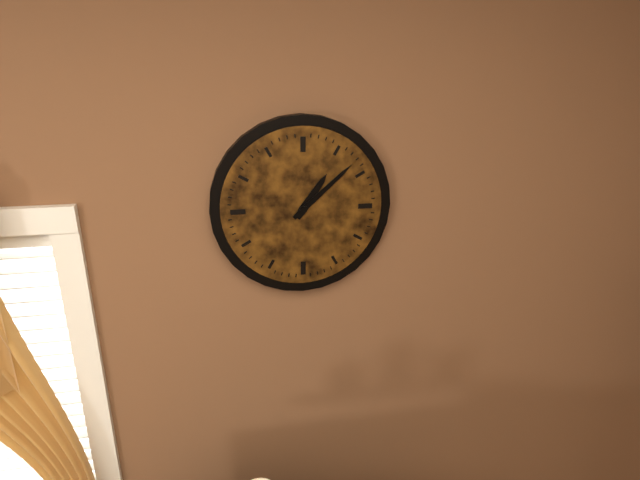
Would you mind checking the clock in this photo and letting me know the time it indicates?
1:08
